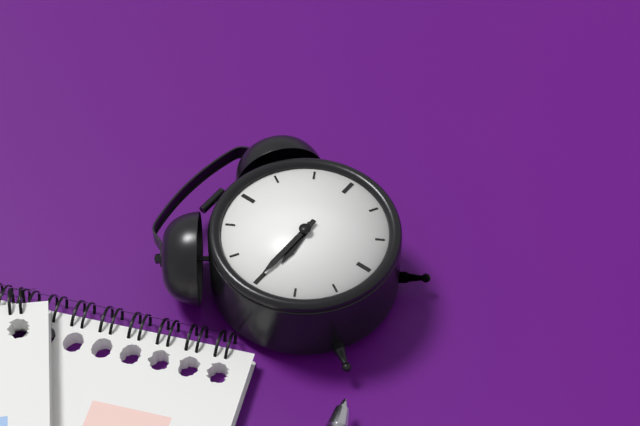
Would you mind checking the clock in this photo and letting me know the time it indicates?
8:45
